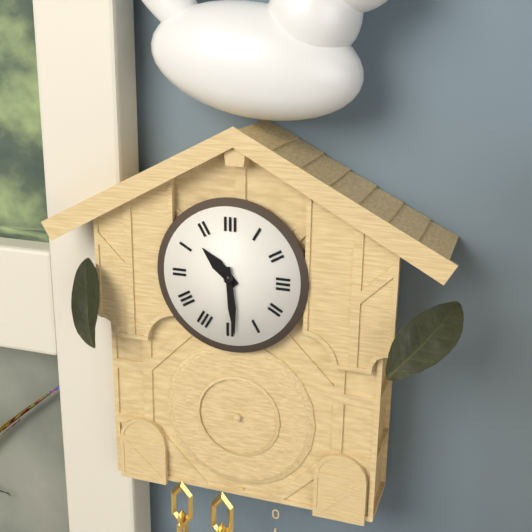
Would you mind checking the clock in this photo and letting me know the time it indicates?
10:29
